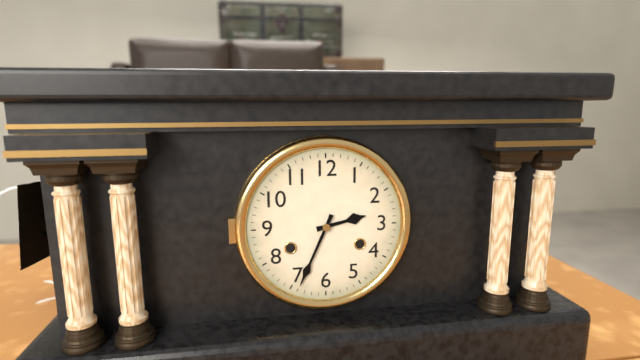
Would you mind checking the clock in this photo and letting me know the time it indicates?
2:34
